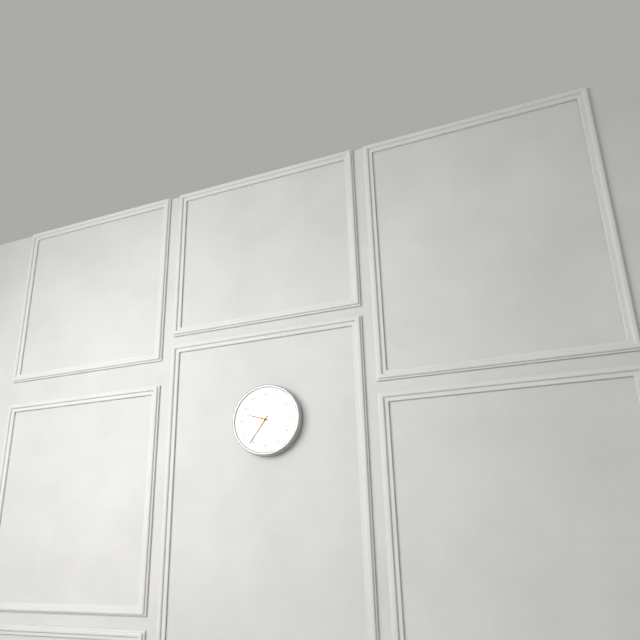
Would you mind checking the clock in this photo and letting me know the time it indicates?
9:36
